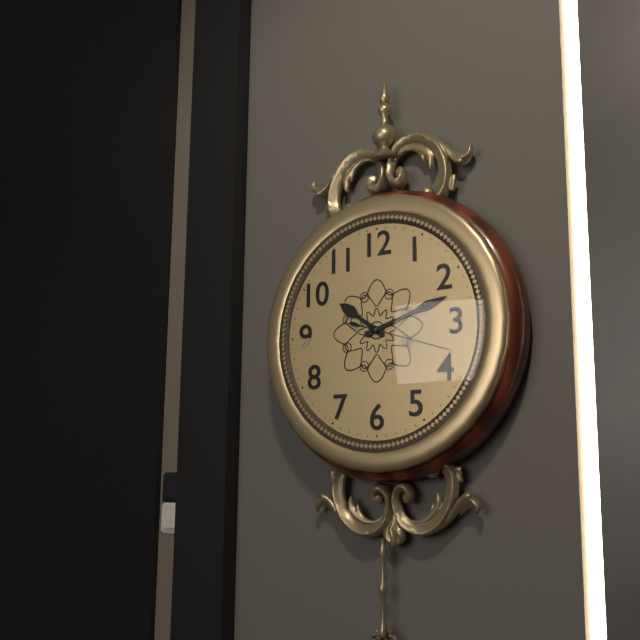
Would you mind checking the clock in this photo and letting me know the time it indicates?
10:12:18
